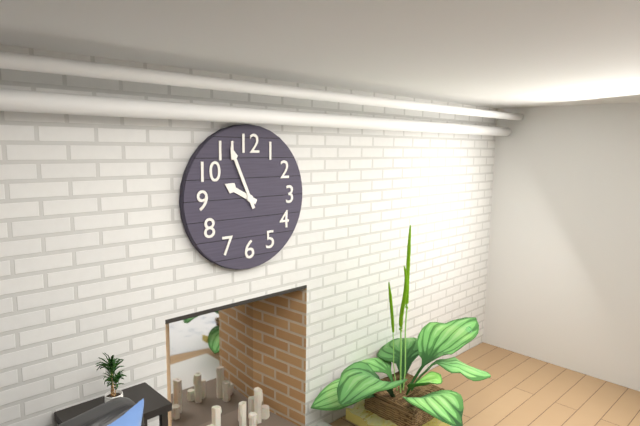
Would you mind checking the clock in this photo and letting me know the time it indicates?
9:56
